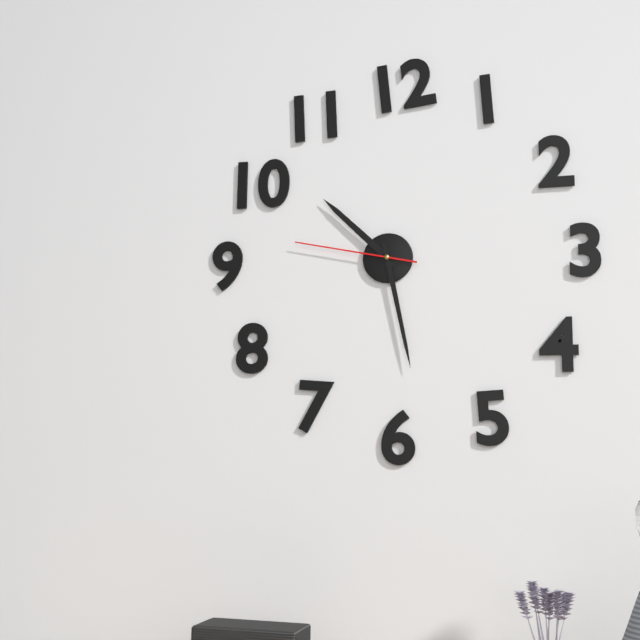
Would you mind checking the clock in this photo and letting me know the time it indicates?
10:28:47
